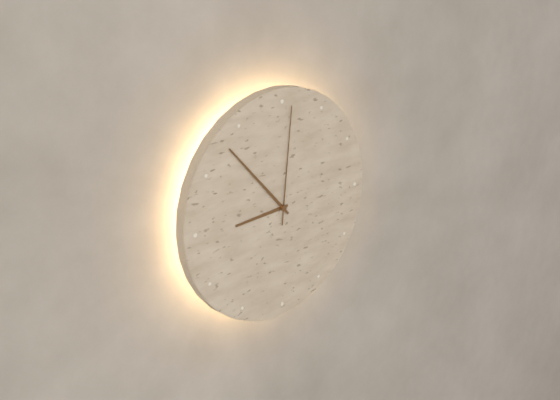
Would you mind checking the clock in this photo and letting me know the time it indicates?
8:53:01
